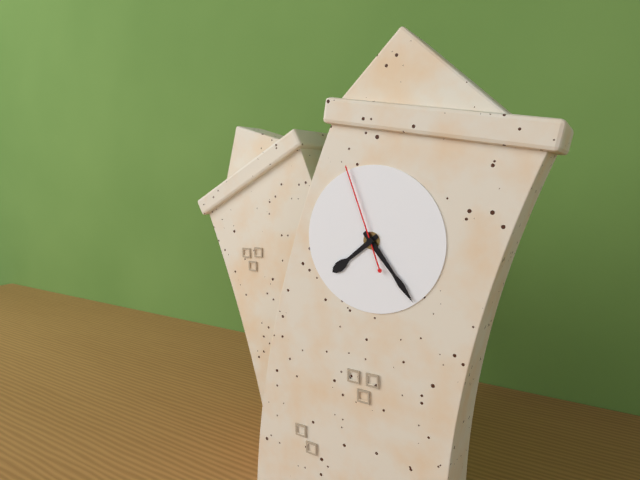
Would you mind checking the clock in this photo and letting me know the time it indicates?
7:22:55
